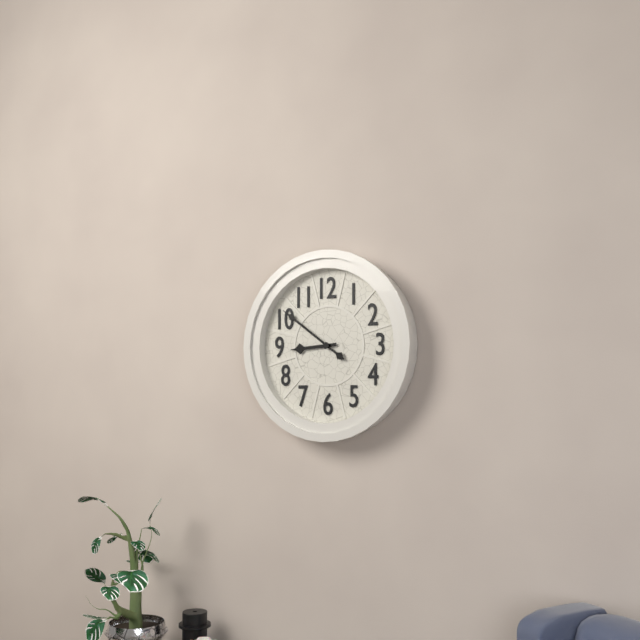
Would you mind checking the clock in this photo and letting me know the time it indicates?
8:51
